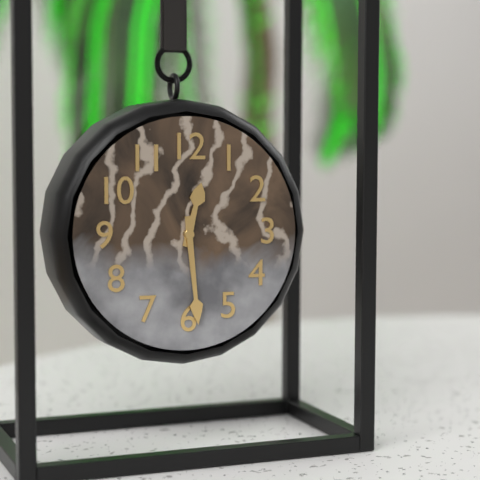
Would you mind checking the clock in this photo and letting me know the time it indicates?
12:29
